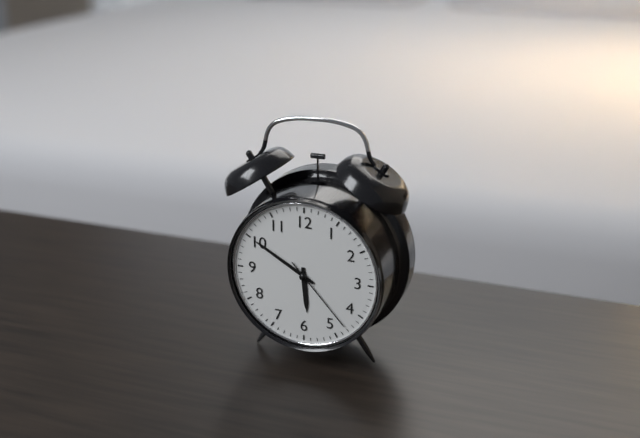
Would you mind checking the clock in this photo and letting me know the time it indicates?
5:50:23
